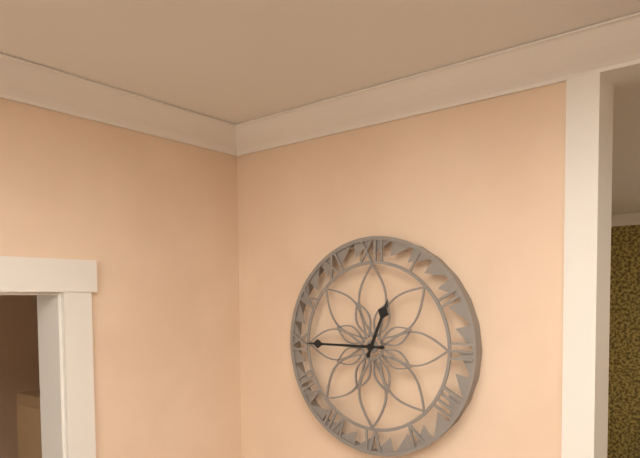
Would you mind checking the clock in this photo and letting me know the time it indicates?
12:45
